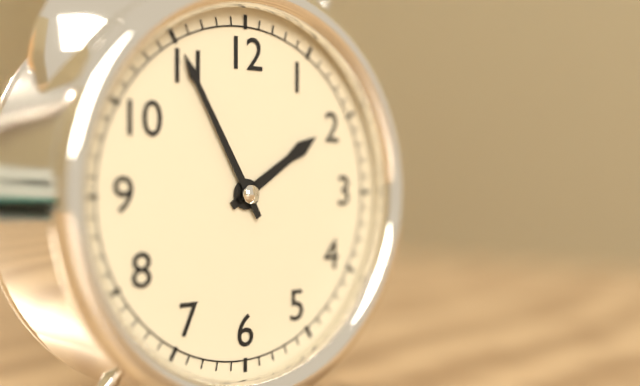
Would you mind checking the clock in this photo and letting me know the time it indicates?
1:55
